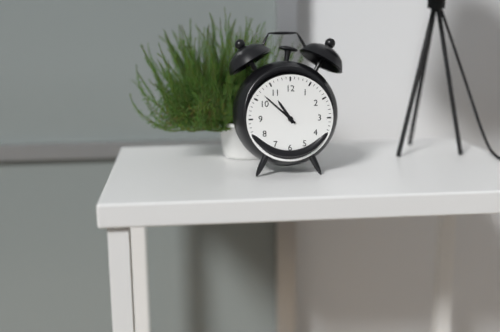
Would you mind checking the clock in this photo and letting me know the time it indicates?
10:52
